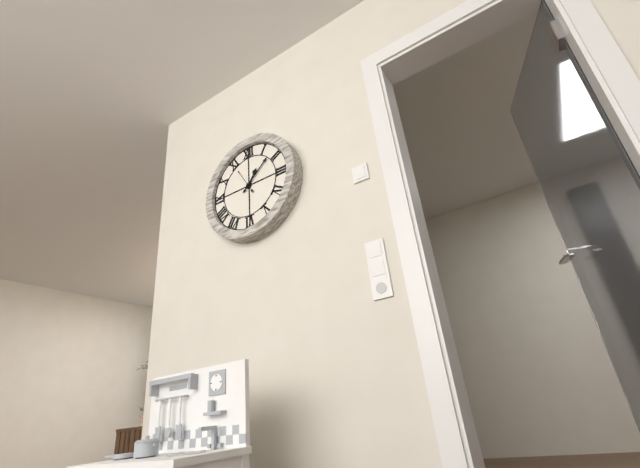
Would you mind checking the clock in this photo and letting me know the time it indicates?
1:08
